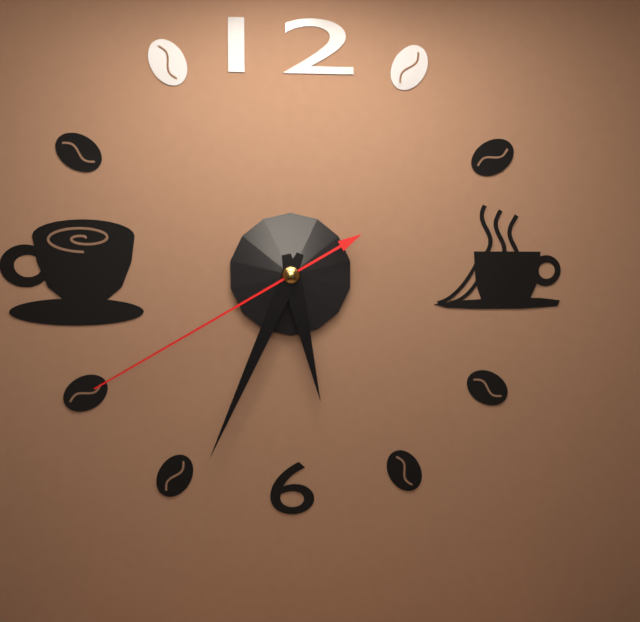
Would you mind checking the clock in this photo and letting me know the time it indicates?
5:34:40
